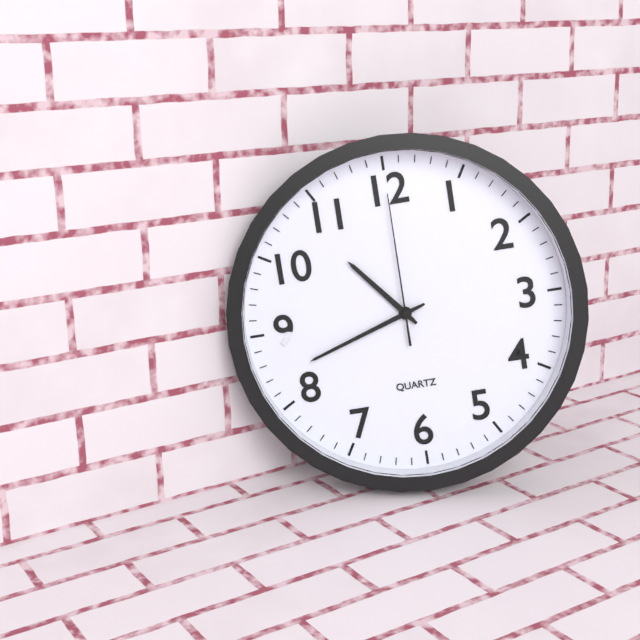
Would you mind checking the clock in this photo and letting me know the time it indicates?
10:42:00
